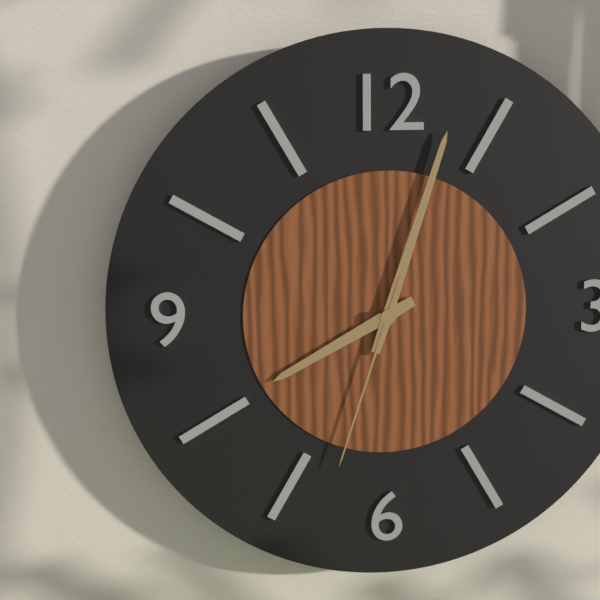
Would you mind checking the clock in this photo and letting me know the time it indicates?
8:03:33
